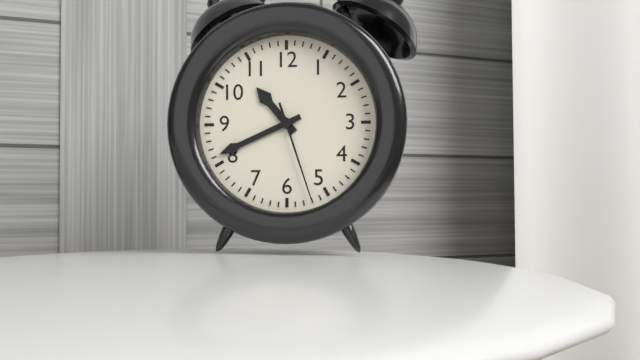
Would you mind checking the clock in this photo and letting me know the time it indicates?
10:41:27
